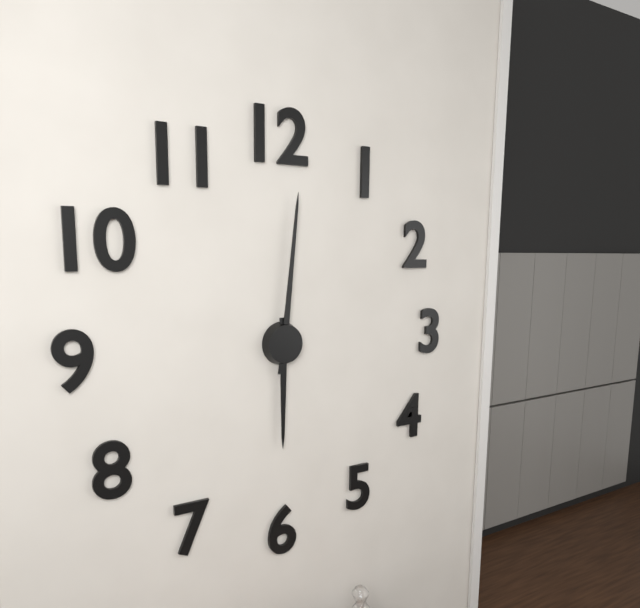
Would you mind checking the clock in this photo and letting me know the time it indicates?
6:01
